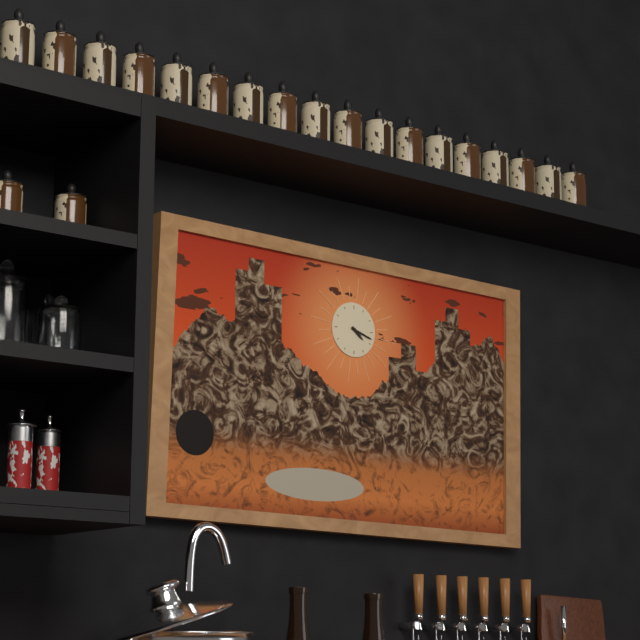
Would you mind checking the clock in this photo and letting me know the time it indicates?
4:18
